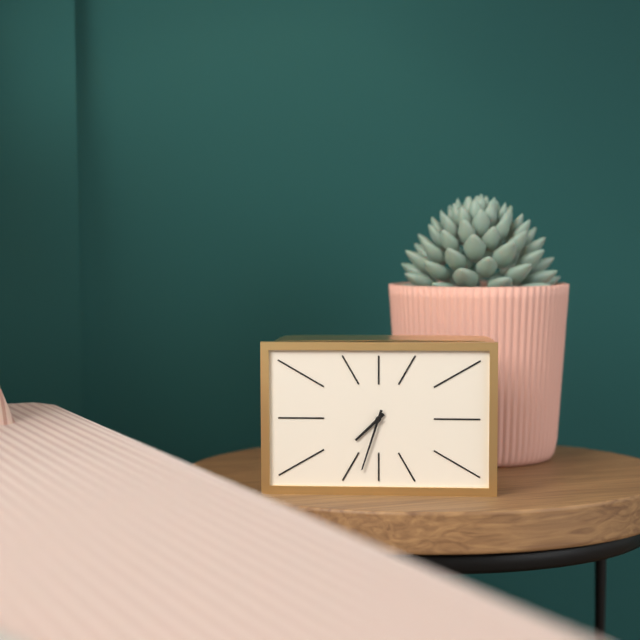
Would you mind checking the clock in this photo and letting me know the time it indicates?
7:33
